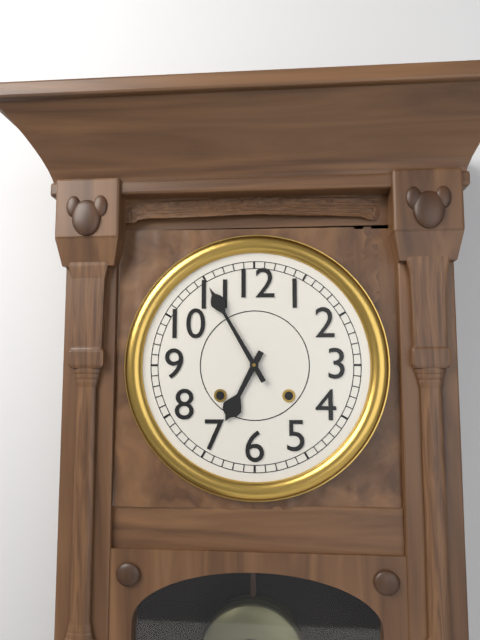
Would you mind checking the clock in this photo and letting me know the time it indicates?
6:55
